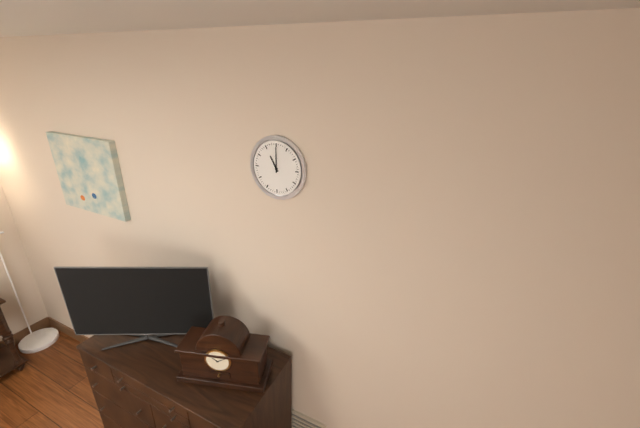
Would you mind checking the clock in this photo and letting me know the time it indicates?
11:00
